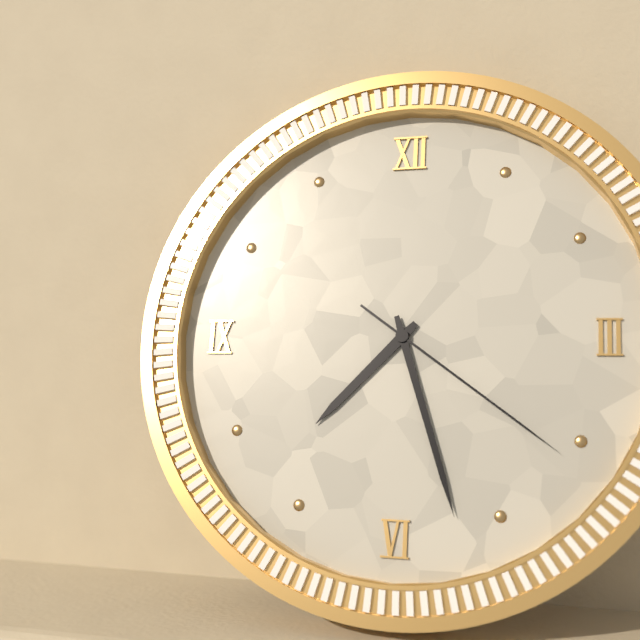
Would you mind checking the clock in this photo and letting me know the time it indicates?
7:27:21
